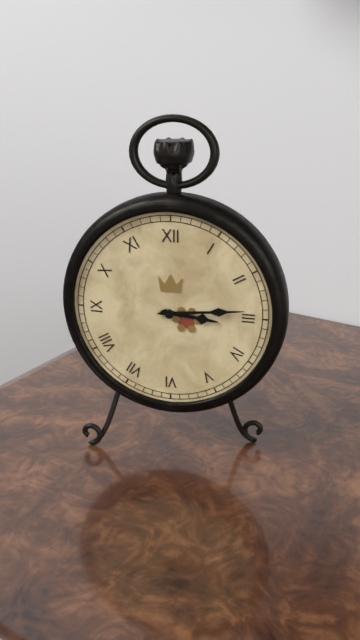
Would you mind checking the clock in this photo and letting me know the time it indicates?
3:14
